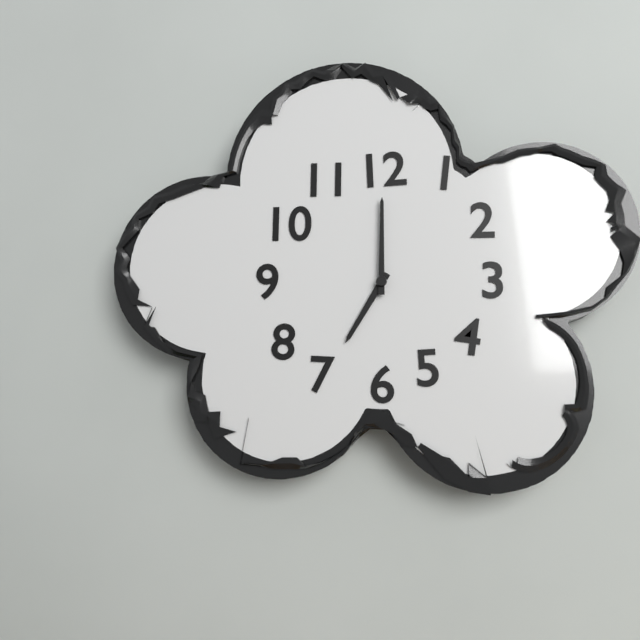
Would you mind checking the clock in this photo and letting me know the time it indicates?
7:00
